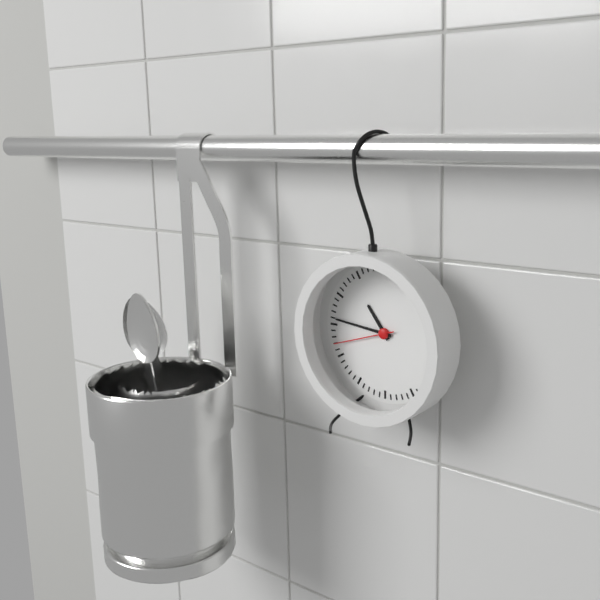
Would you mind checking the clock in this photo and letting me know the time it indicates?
10:46:42
